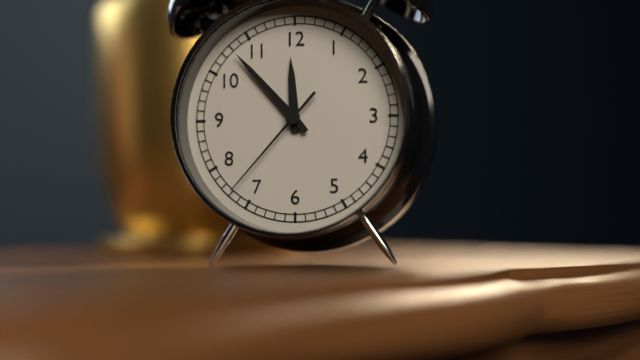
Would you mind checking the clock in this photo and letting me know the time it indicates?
11:53:37
